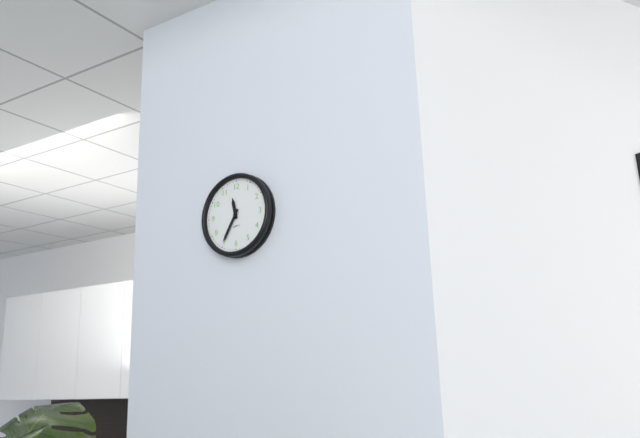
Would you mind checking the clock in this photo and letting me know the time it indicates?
11:35
